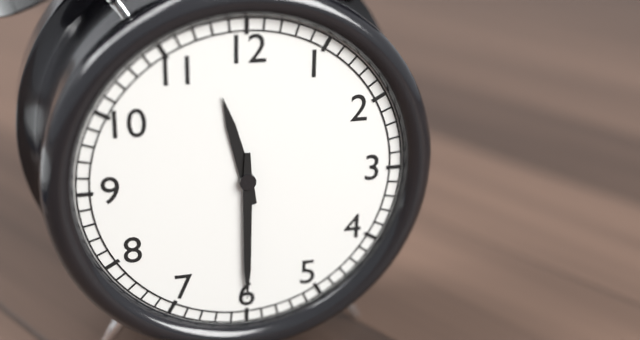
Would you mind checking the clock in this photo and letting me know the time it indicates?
11:30
